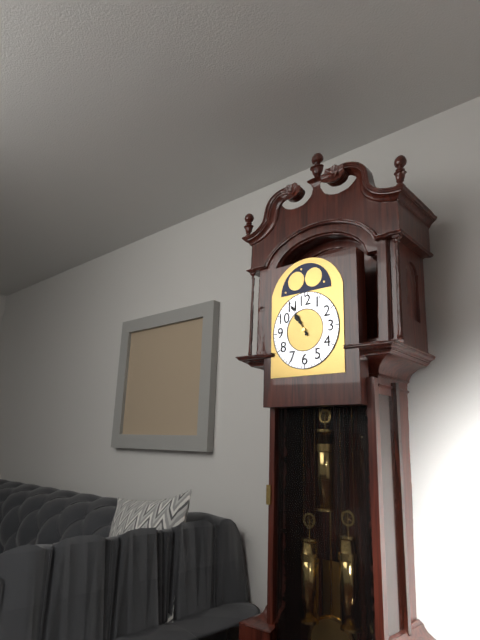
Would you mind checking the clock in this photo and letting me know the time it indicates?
10:55
